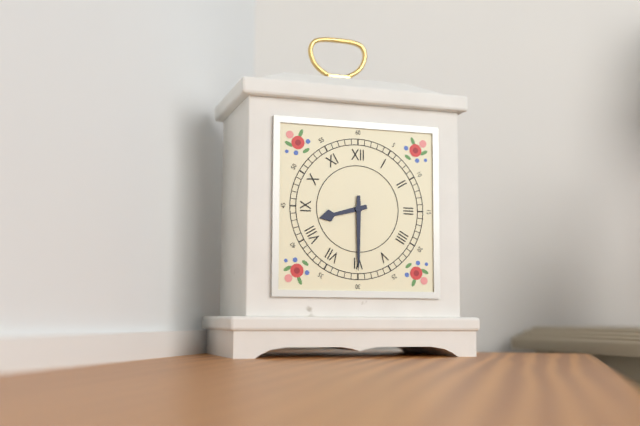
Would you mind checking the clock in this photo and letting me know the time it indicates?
8:30
